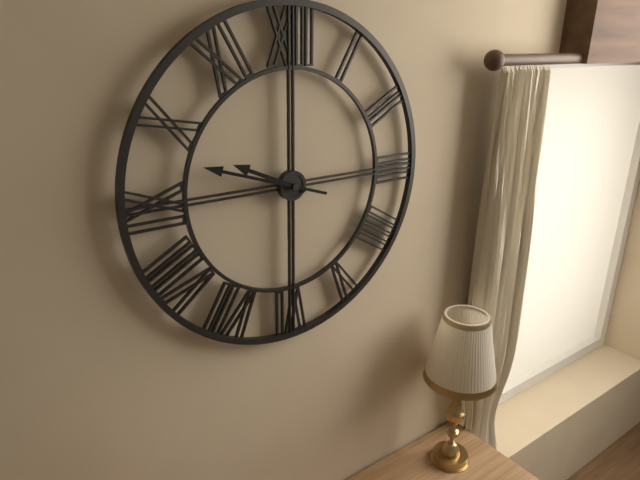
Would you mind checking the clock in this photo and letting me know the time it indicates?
9:48
